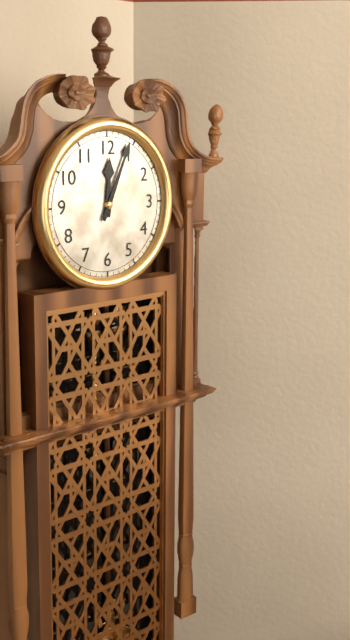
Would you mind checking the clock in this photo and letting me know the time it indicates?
12:04
